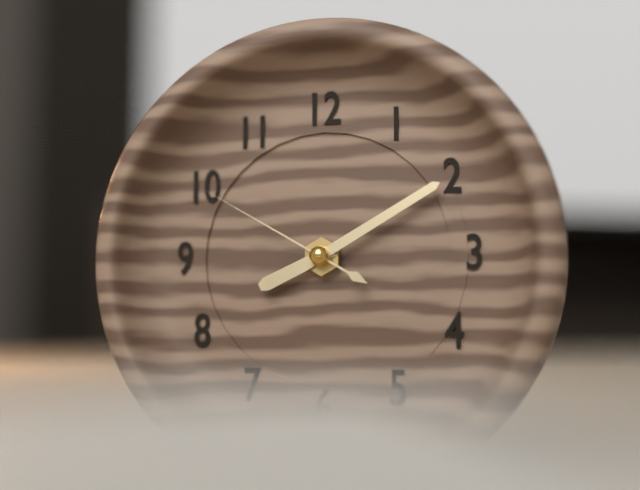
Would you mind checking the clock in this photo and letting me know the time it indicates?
8:10:50
